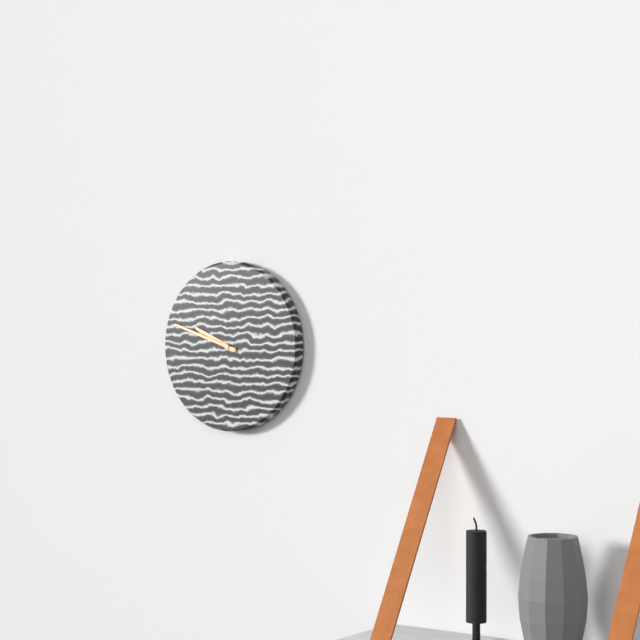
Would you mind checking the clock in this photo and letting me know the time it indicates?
9:48
